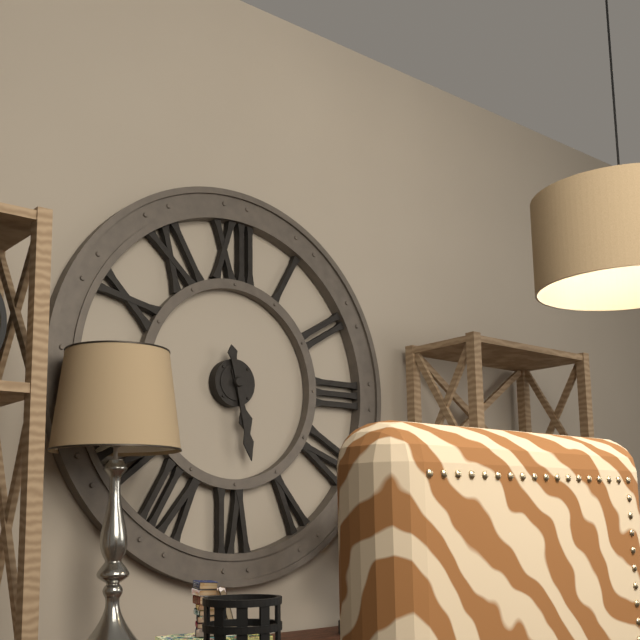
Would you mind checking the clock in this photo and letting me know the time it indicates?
5:28
